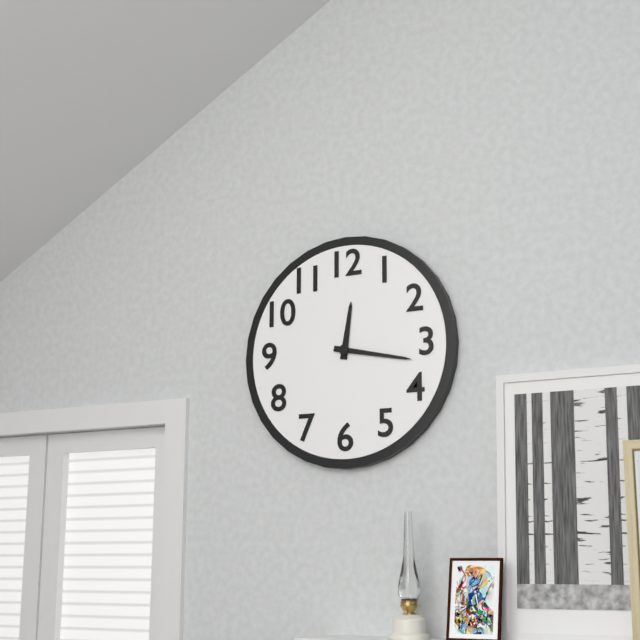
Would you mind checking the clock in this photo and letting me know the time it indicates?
12:17
